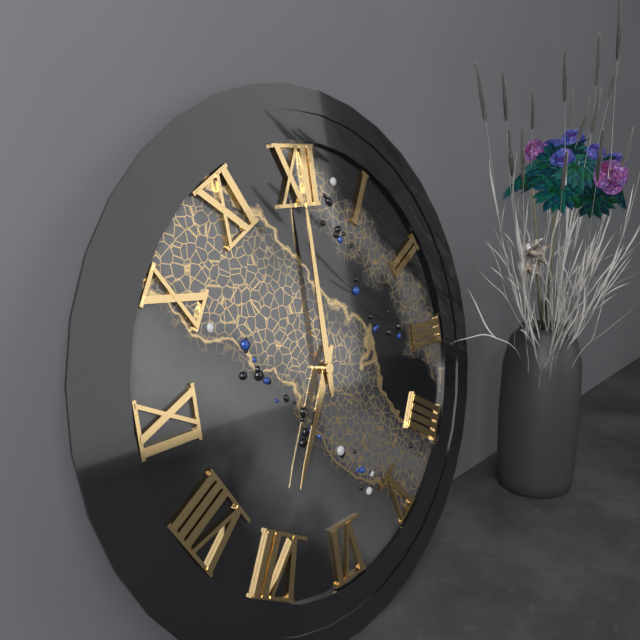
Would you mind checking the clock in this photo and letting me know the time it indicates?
7:00
